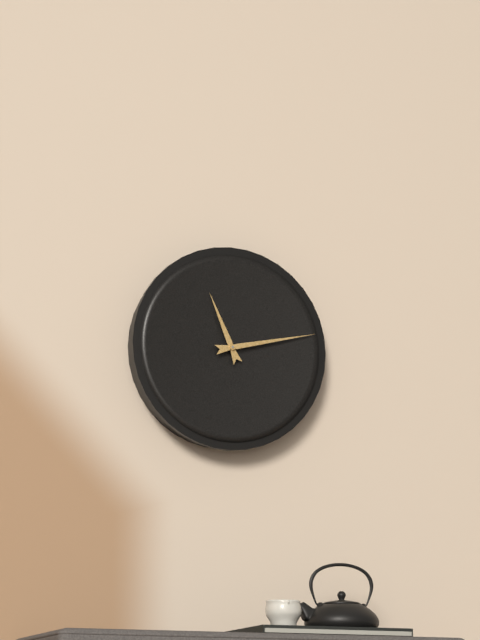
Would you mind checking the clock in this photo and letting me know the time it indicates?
11:13
